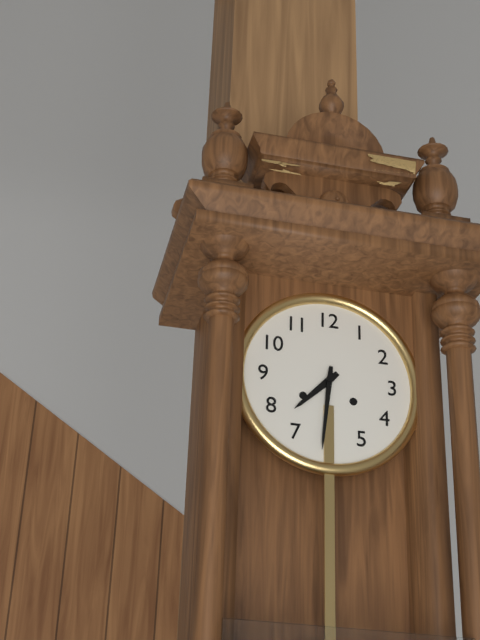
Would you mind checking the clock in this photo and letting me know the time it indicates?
7:31
